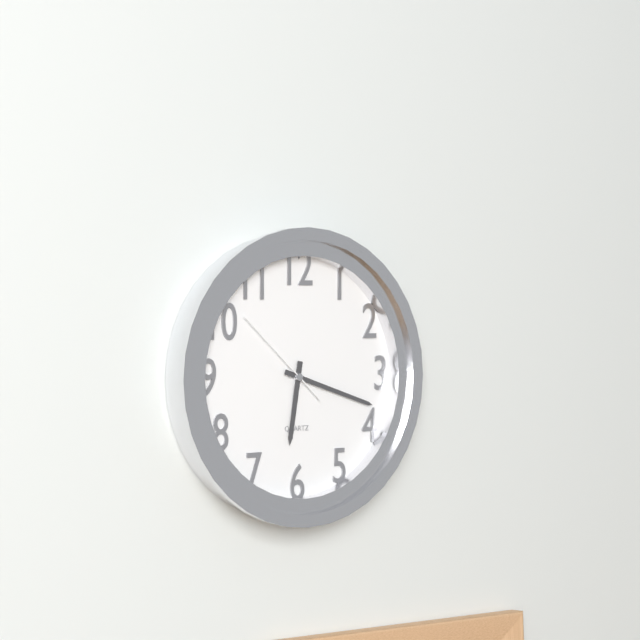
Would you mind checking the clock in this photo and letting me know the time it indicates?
6:18:52
